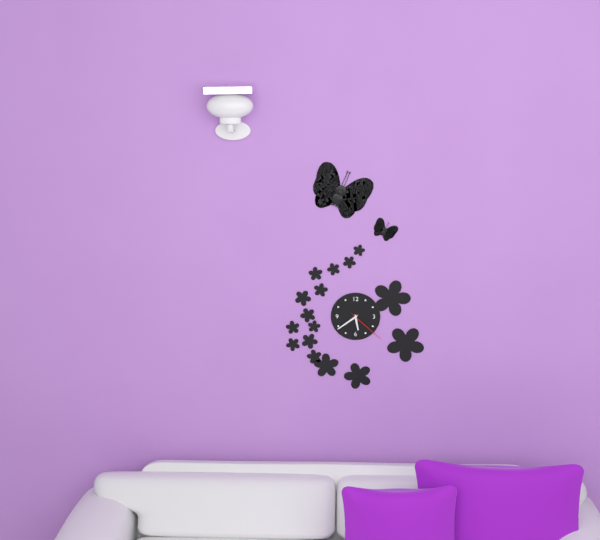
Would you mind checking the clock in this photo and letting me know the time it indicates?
5:39
